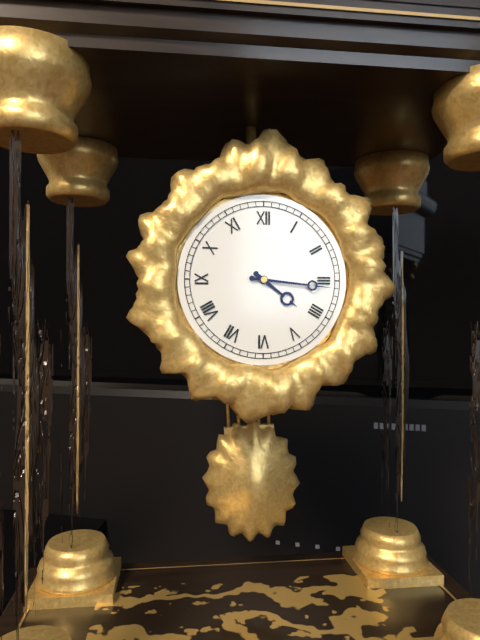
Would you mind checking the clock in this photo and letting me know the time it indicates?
4:16
